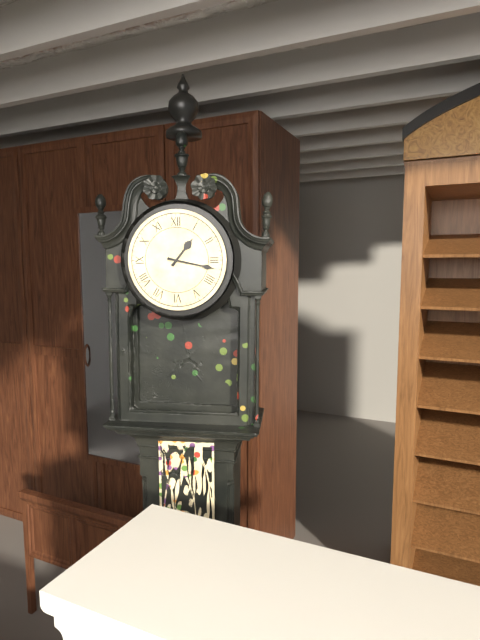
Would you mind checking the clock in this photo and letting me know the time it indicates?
1:17
